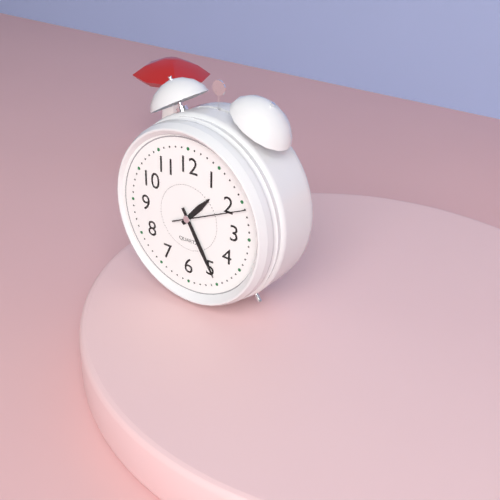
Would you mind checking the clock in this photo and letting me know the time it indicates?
1:25:11
